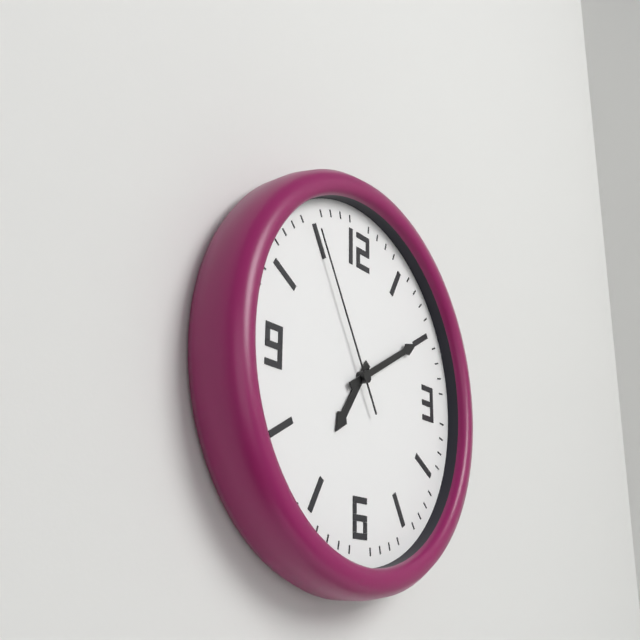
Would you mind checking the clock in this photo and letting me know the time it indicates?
7:10:55
